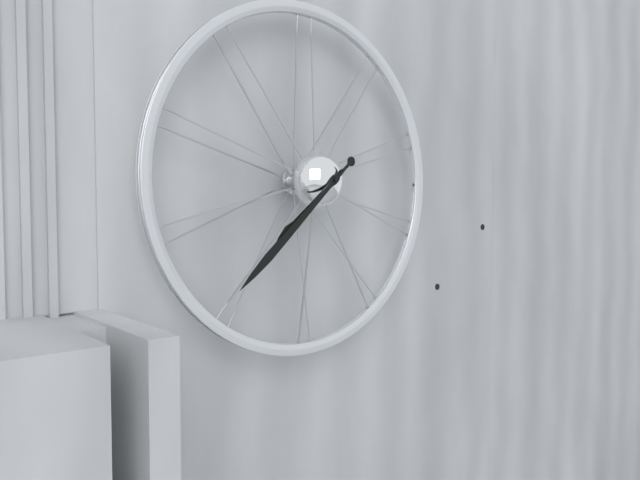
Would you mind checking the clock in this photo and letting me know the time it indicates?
7:38
